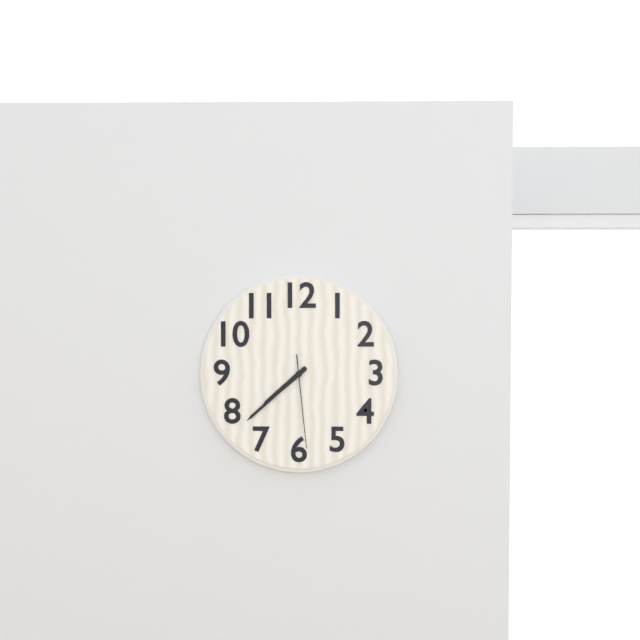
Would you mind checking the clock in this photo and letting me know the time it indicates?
7:38:29
